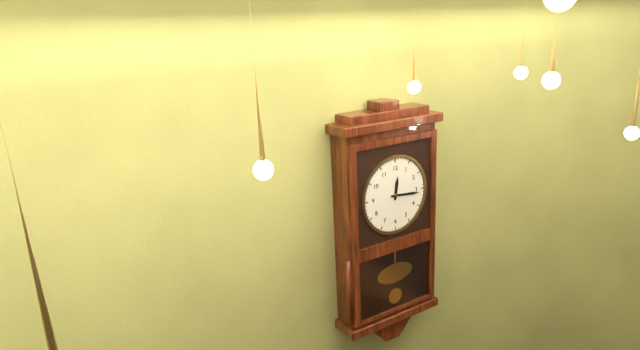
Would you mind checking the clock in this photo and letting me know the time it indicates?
12:16
